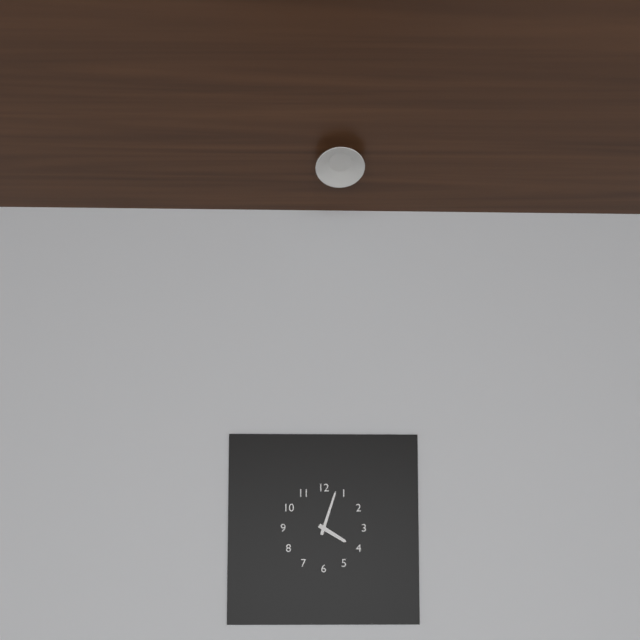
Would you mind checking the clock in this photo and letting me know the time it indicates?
4:03
